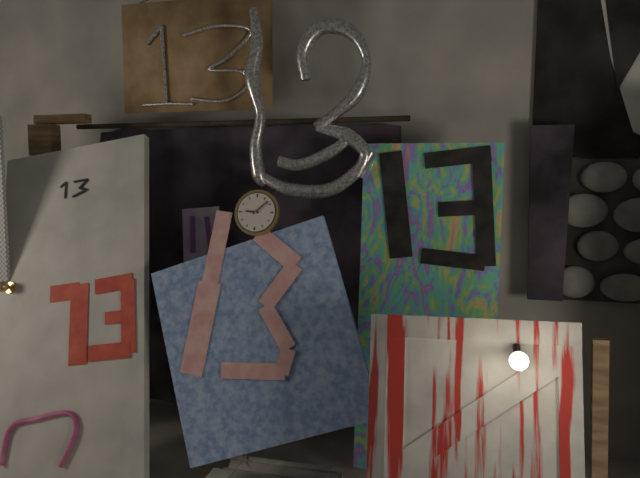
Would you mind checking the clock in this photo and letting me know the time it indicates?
9:08
